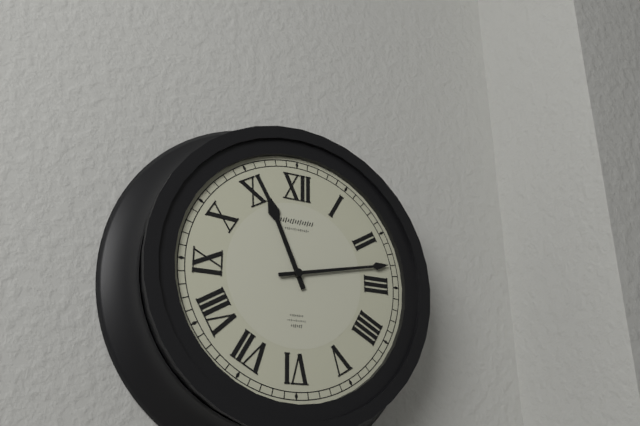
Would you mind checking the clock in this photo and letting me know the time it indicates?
11:13
